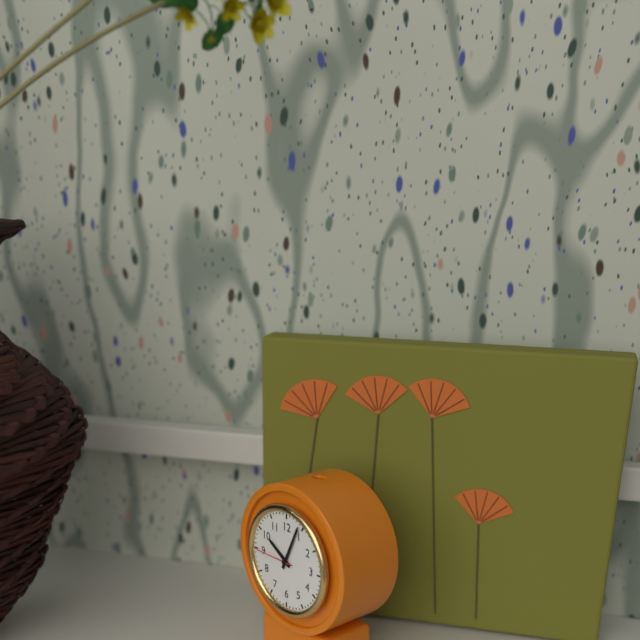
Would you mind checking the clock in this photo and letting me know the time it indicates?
10:04
